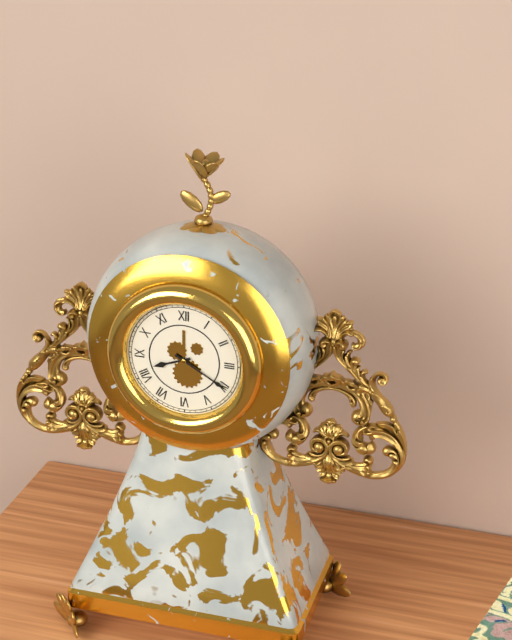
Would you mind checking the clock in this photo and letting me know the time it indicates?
8:20
